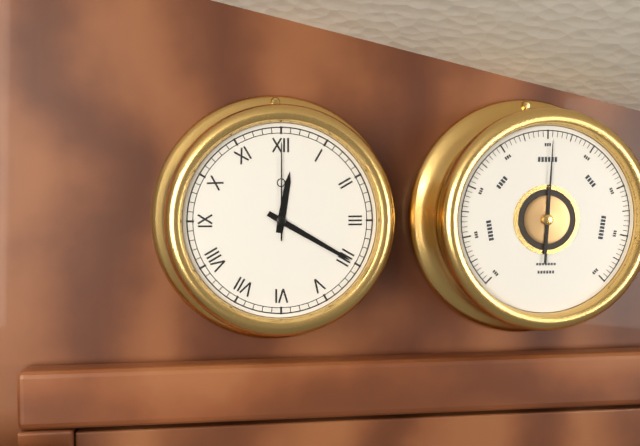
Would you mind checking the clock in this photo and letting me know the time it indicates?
12:20:00
